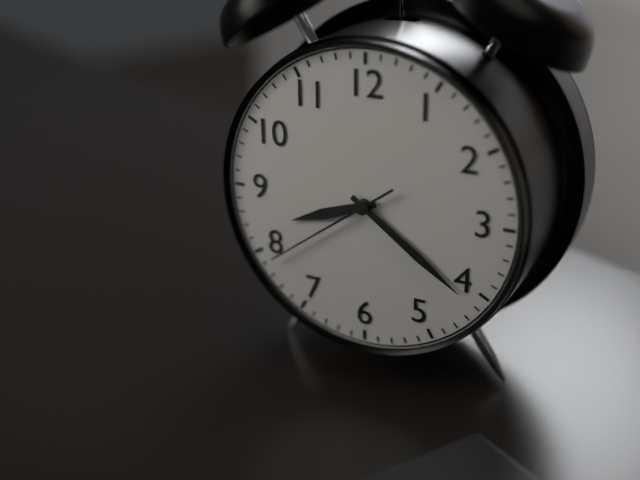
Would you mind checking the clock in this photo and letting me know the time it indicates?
8:21:39
